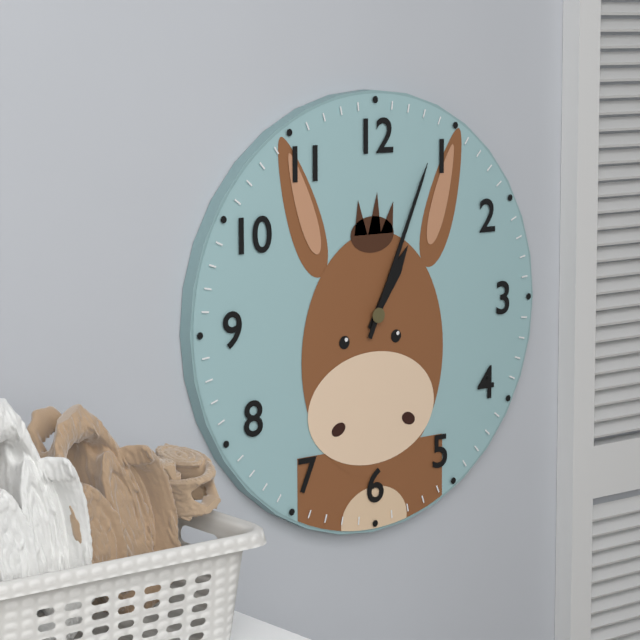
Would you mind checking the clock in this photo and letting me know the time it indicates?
1:04
